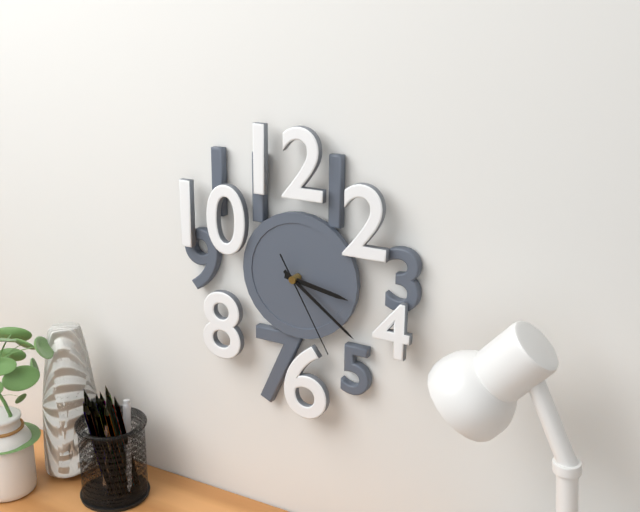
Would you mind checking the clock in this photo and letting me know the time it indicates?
3:21:25
